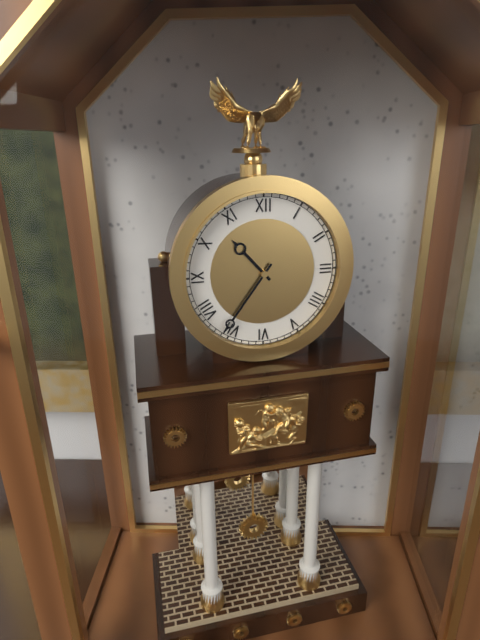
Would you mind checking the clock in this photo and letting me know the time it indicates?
10:36
